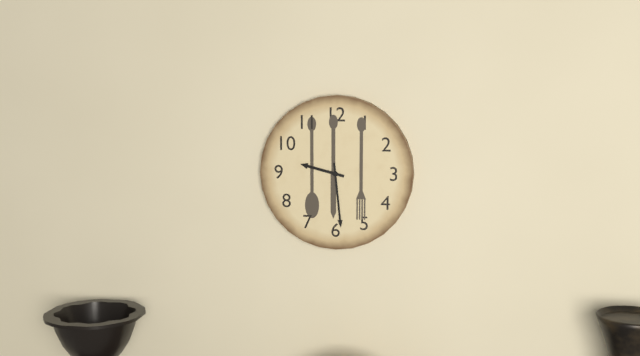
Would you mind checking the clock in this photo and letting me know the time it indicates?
9:29
